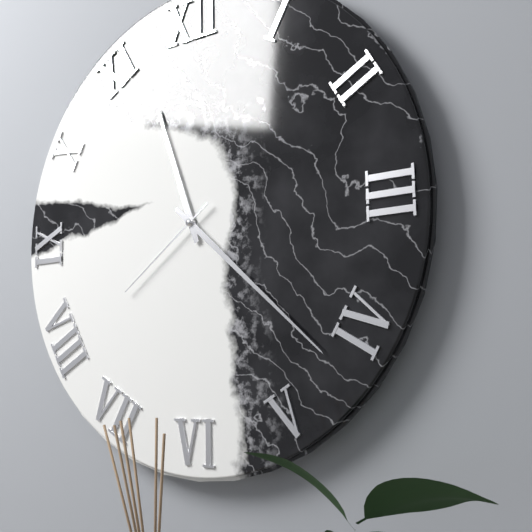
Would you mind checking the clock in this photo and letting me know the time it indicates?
11:22:39
